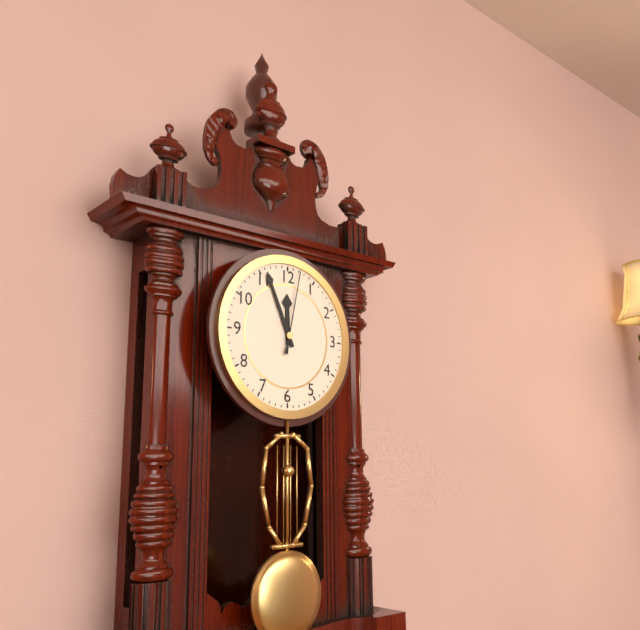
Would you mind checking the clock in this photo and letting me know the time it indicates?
11:56:02
